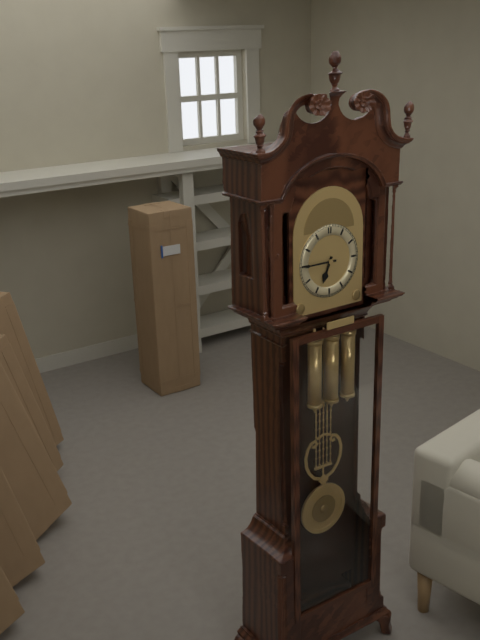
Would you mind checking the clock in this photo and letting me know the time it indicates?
6:45
